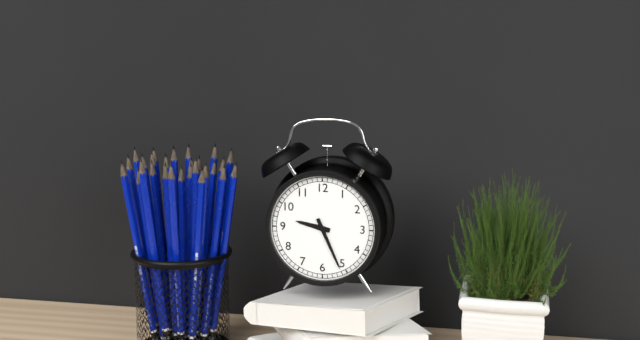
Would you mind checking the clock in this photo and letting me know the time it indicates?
9:26
